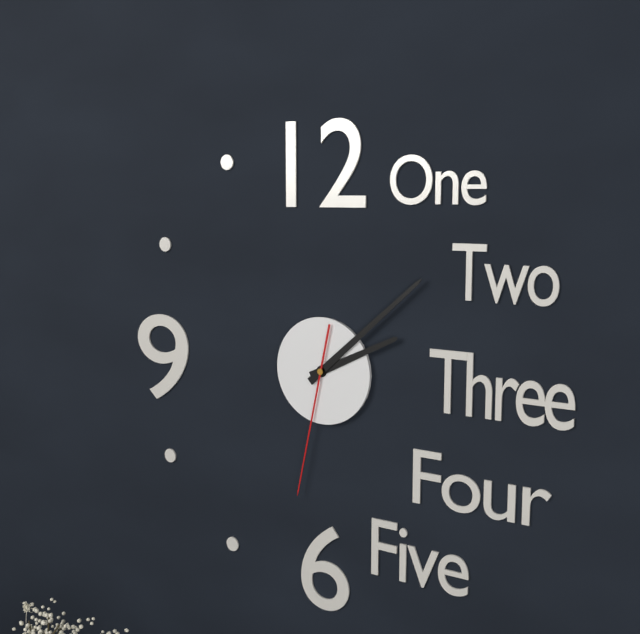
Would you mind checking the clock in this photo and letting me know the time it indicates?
2:08:32
